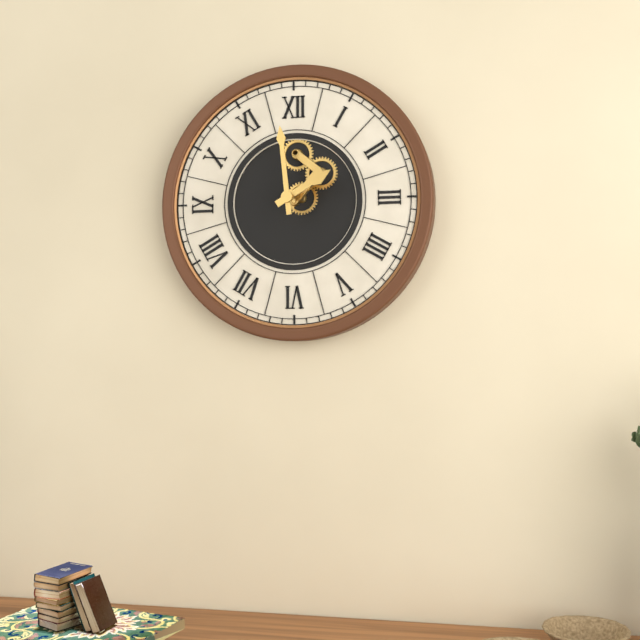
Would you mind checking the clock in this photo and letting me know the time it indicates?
1:59
